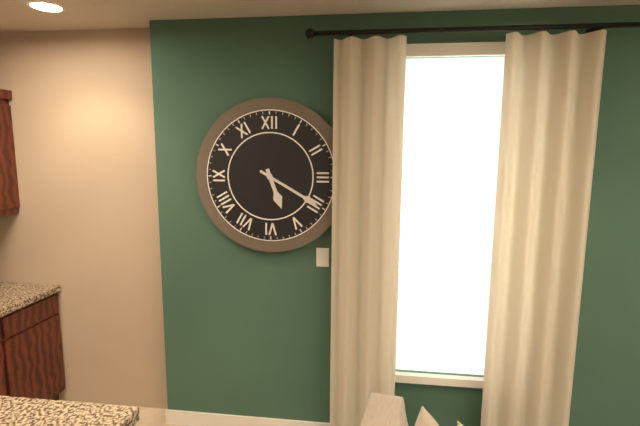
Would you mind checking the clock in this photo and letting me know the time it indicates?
5:20
